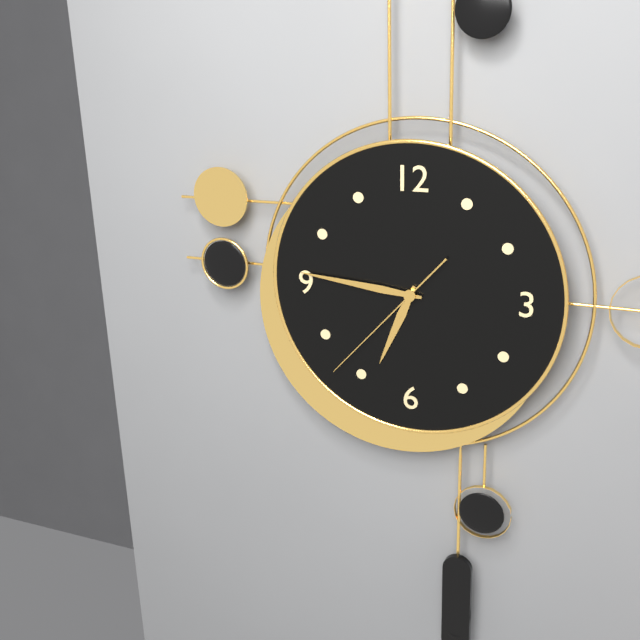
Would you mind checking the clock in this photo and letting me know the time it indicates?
6:46:37
